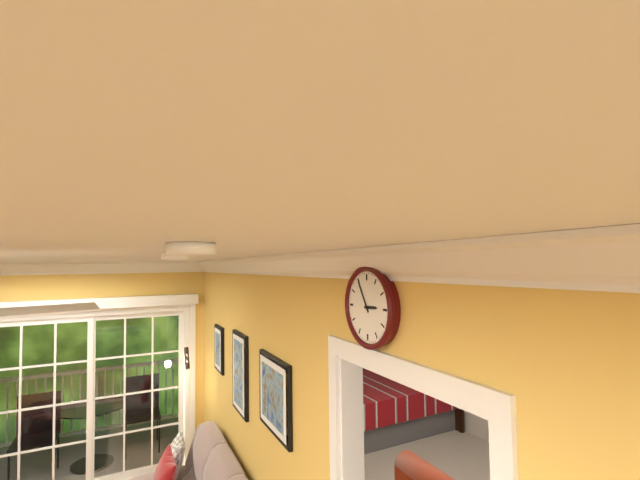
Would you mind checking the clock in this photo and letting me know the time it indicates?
2:55
